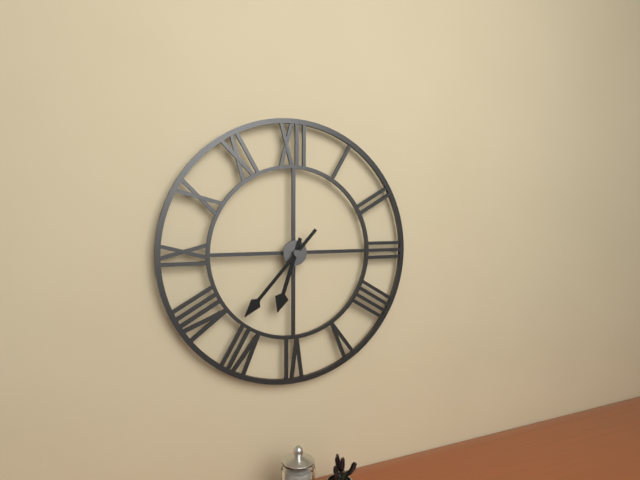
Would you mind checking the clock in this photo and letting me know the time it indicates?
6:37
